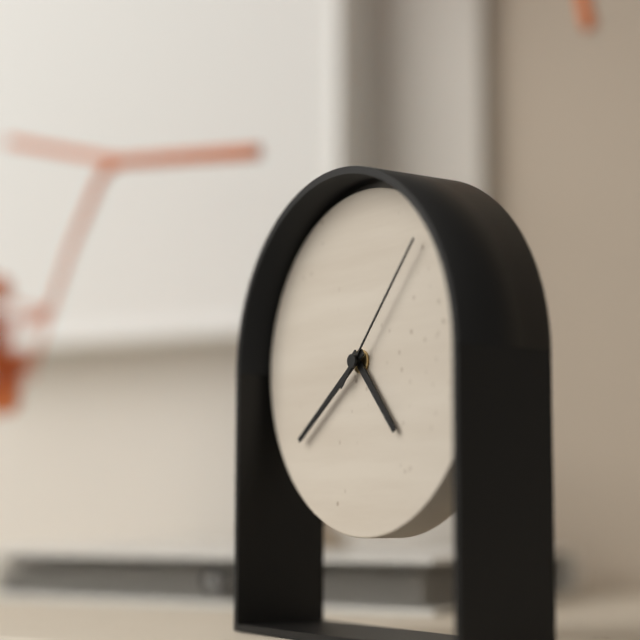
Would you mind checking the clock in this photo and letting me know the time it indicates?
4:39:07
